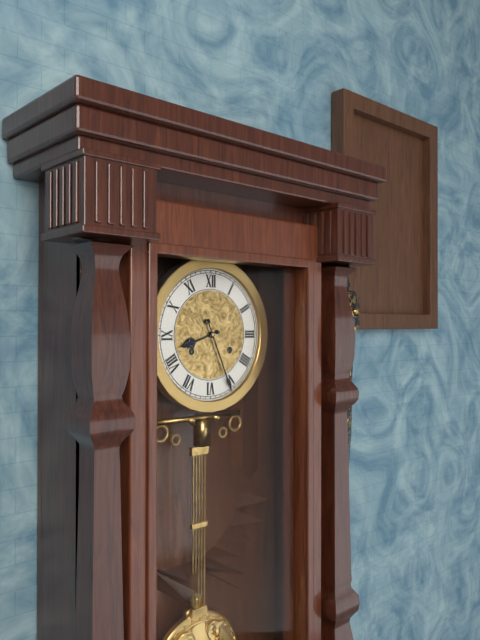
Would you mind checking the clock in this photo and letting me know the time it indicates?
8:26
